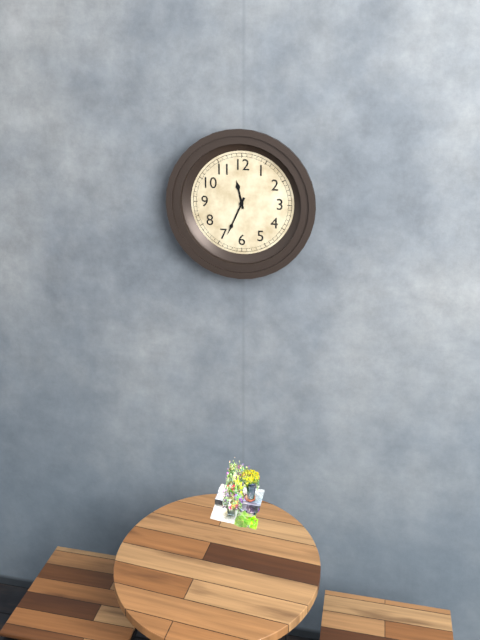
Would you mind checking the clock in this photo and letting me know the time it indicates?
11:34
